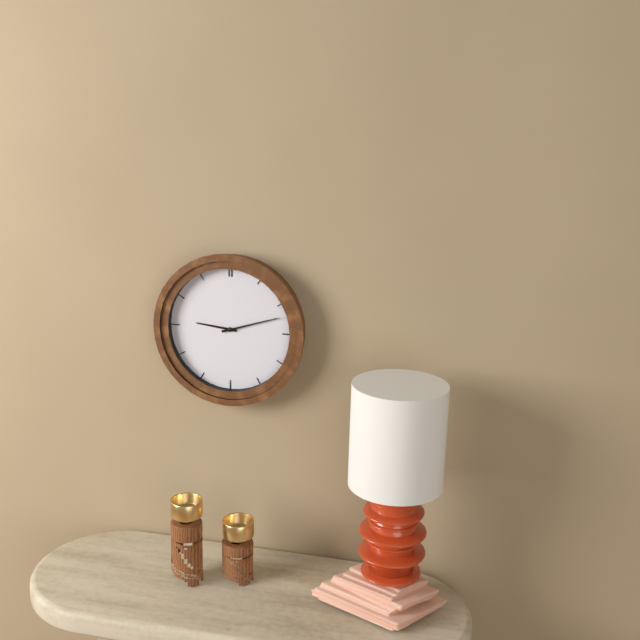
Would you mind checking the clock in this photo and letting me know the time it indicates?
9:12
